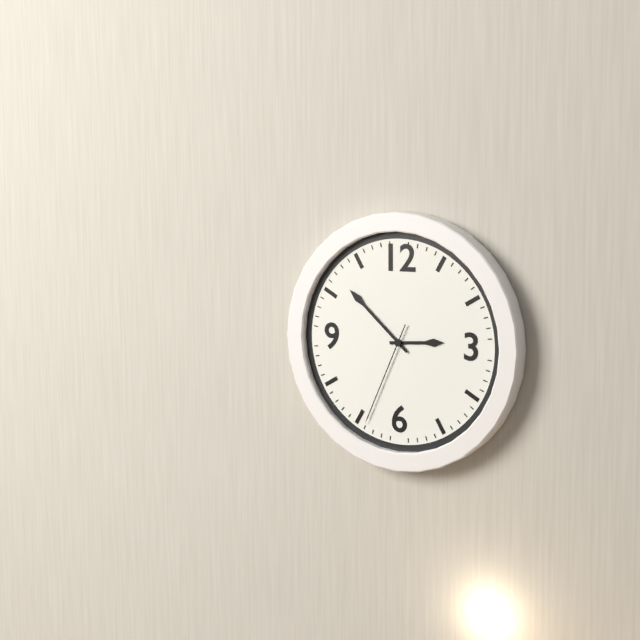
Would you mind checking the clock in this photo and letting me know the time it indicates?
2:52:34
